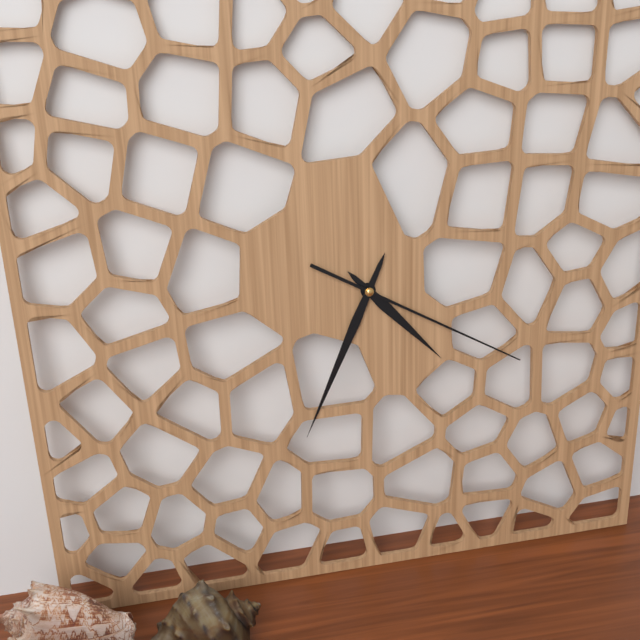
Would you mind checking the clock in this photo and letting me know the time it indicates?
4:34:20
